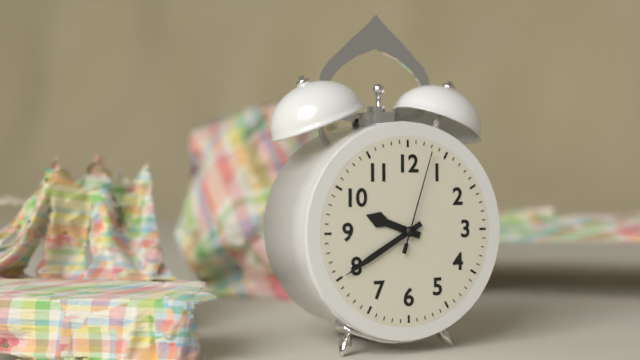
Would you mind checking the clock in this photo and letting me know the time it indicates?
9:40:03
